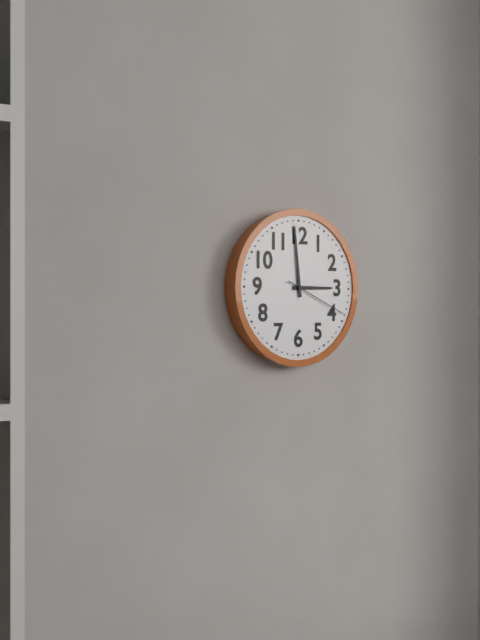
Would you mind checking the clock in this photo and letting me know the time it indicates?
2:59:19
